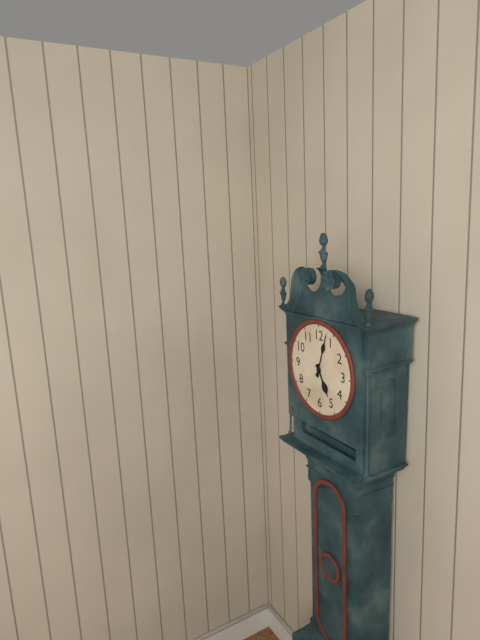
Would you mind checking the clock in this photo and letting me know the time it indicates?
5:03
